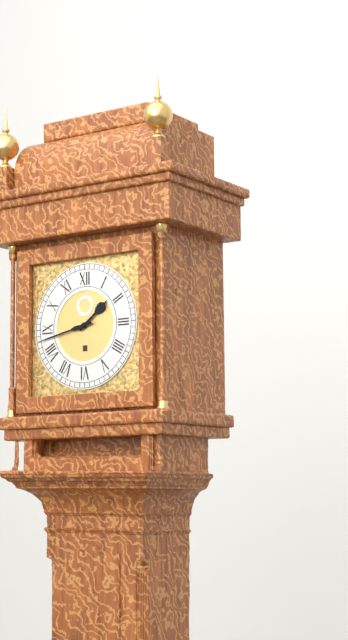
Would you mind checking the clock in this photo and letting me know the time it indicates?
1:43
